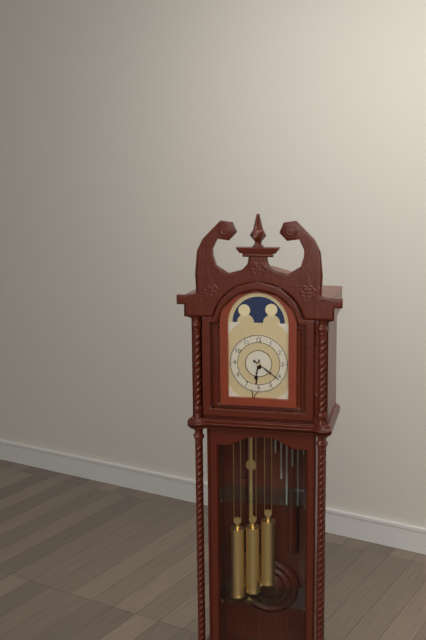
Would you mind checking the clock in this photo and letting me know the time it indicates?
6:21
